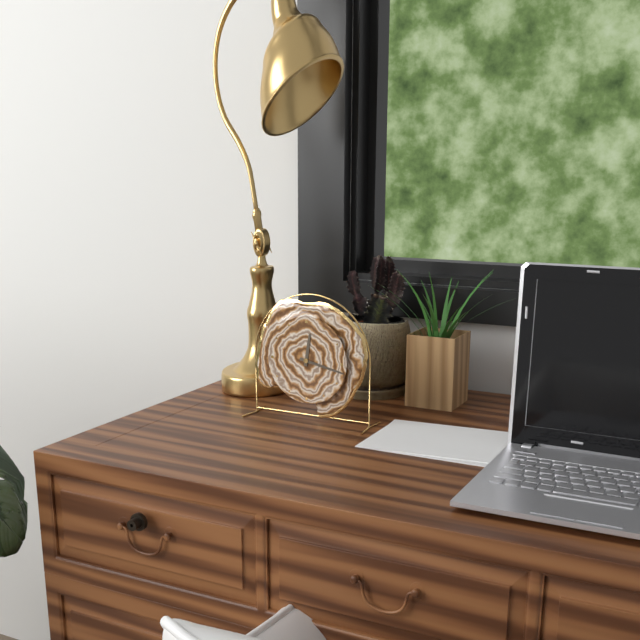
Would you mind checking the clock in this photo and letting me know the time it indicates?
12:17
